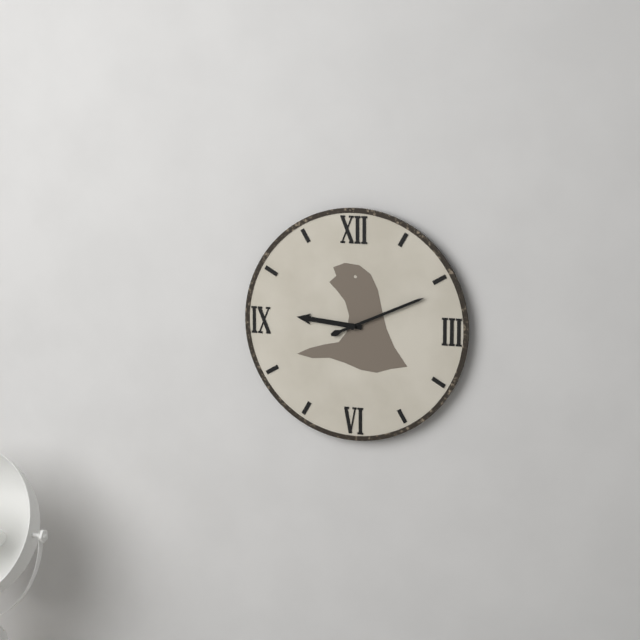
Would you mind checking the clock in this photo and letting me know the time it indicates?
9:11
